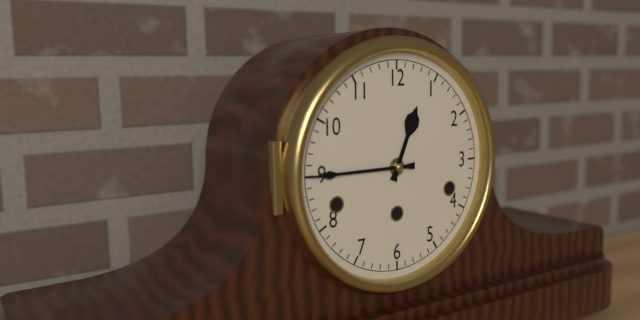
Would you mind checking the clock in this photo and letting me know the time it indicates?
12:45
